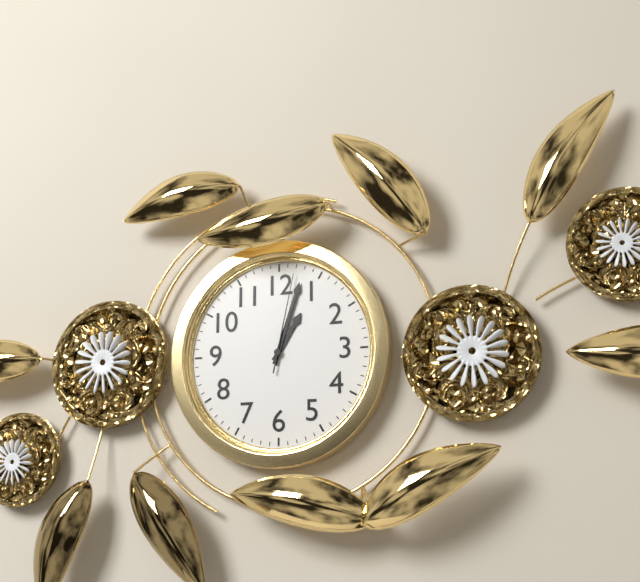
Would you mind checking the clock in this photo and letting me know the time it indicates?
1:03:02
